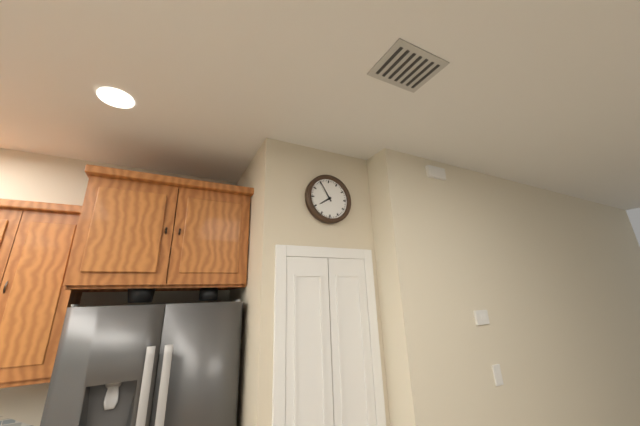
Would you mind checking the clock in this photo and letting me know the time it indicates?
7:55
